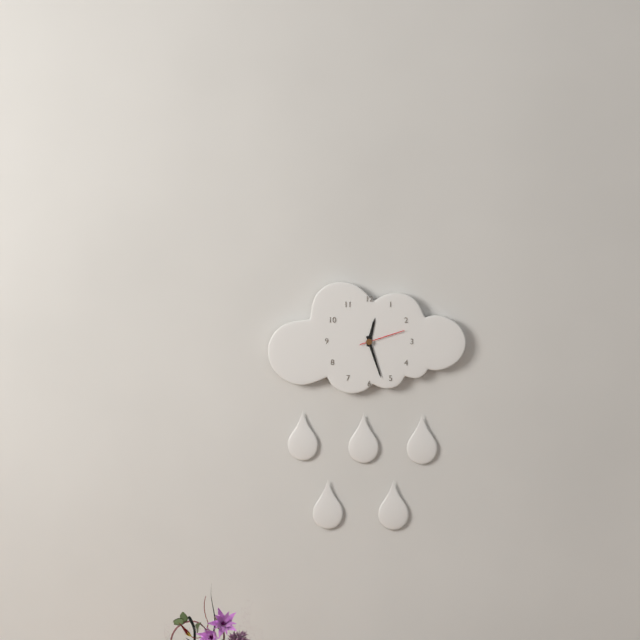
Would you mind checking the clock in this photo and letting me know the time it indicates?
12:27
